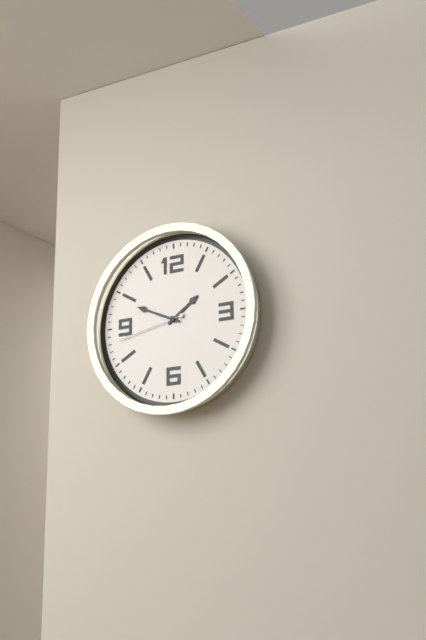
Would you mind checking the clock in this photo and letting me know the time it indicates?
1:49:43
